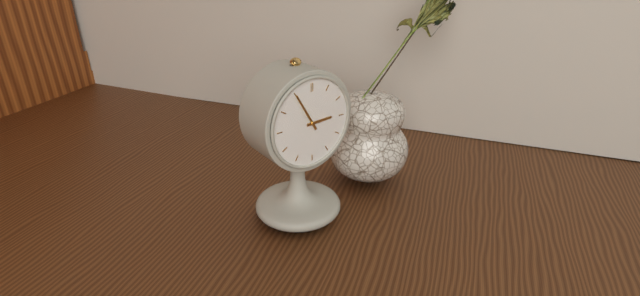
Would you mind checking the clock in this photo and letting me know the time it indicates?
2:55
